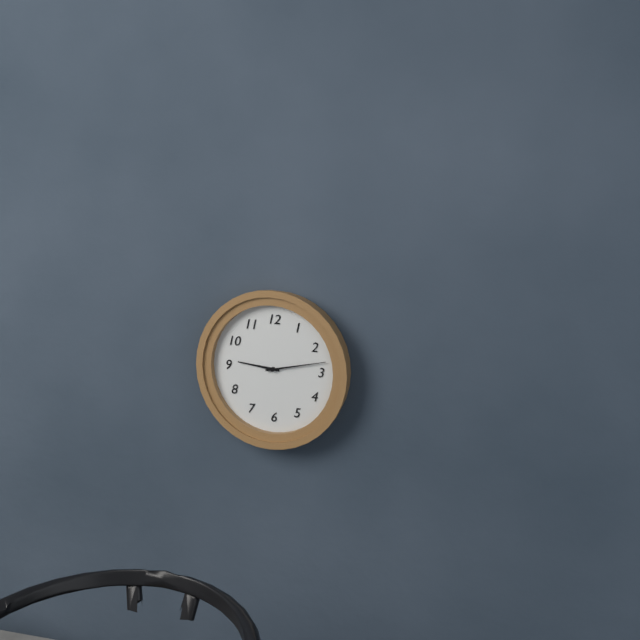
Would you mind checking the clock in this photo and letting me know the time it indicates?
9:13
